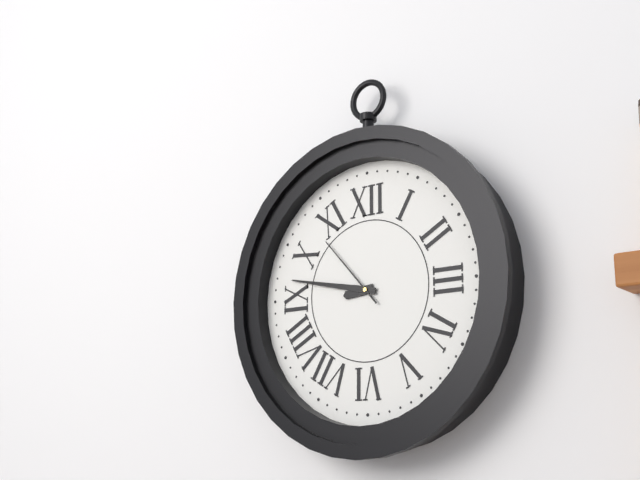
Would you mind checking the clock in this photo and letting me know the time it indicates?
8:47:53
